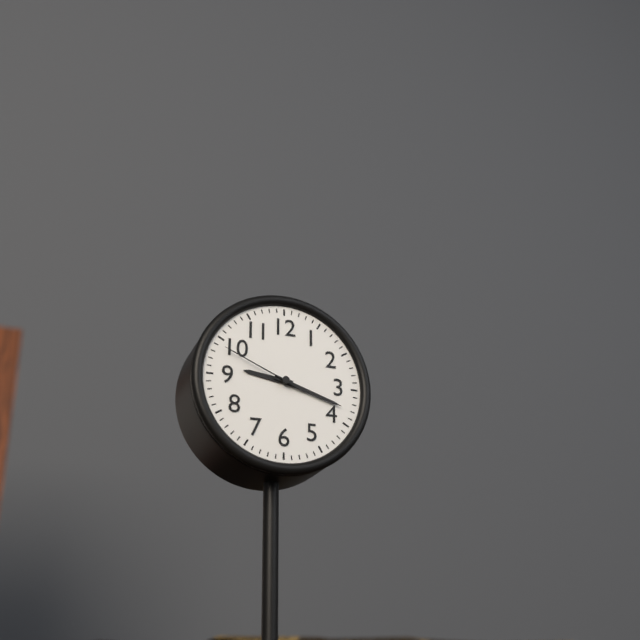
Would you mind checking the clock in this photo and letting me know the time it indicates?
9:18:49
